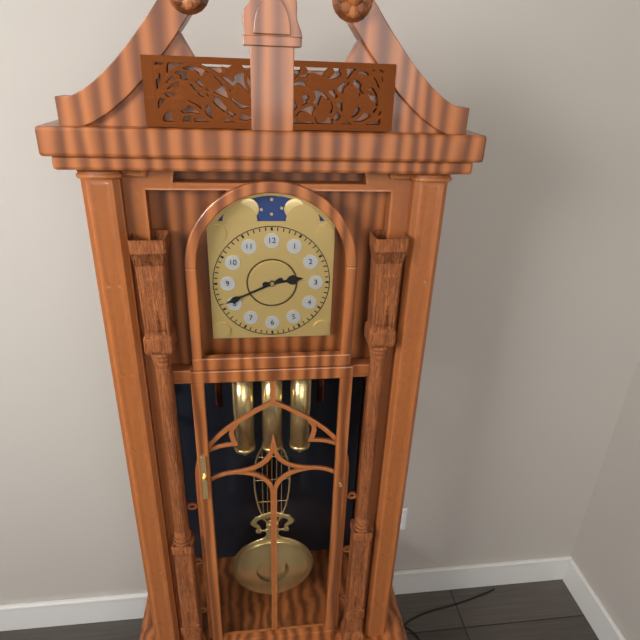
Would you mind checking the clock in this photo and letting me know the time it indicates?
2:41
